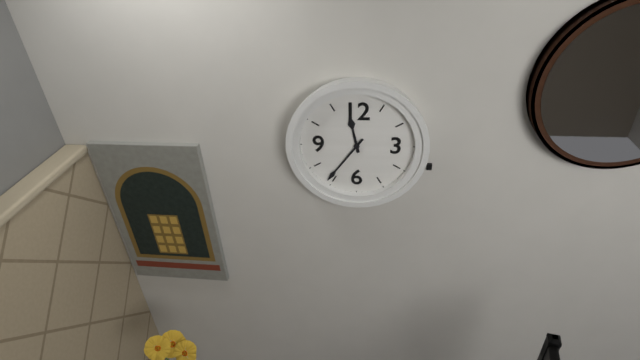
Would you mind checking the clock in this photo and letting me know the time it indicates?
11:36
